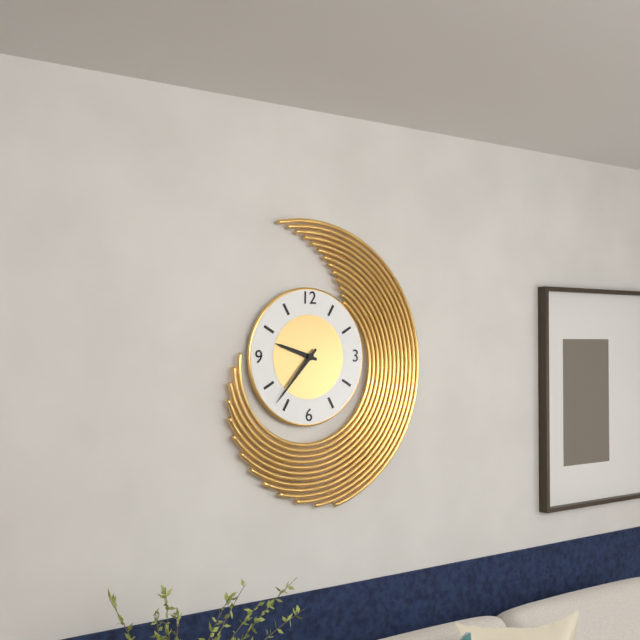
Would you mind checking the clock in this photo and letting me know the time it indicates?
9:37
